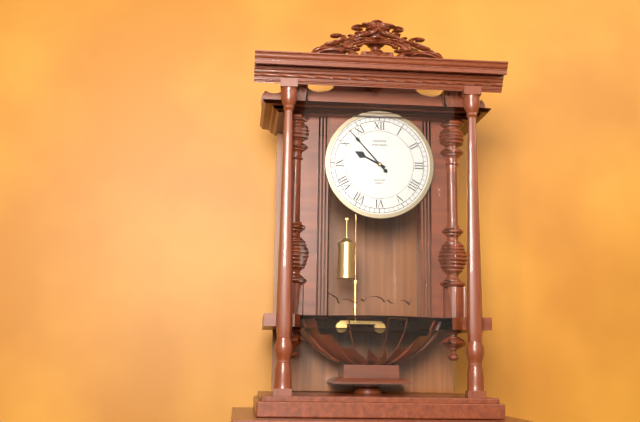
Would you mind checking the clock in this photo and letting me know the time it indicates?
9:53
